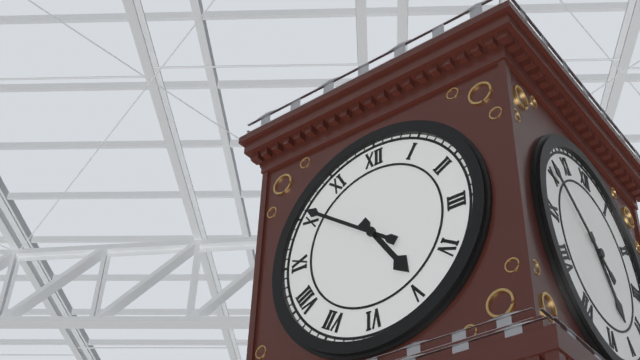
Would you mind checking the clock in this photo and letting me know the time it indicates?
4:51
